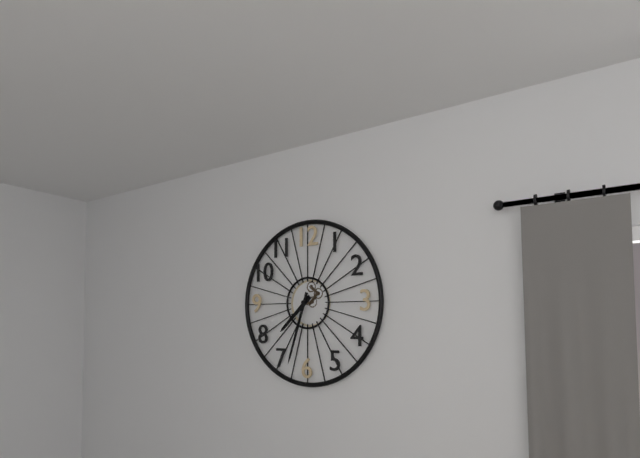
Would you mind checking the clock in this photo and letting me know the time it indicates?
7:33
